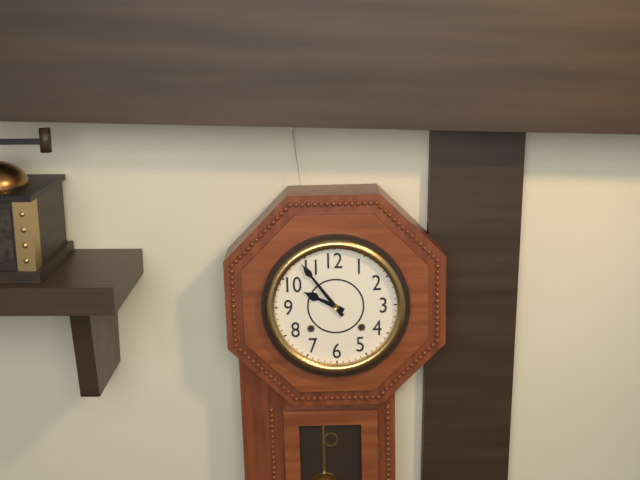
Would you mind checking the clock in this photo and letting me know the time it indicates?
9:54
